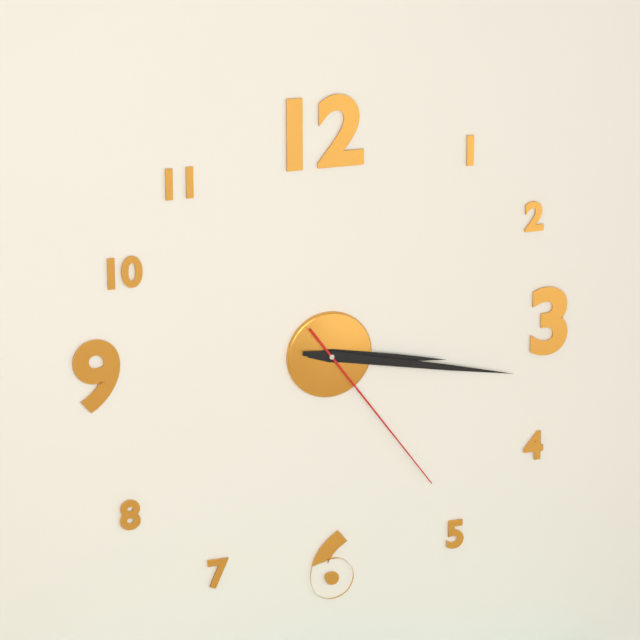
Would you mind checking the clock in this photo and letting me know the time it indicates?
3:17:24
